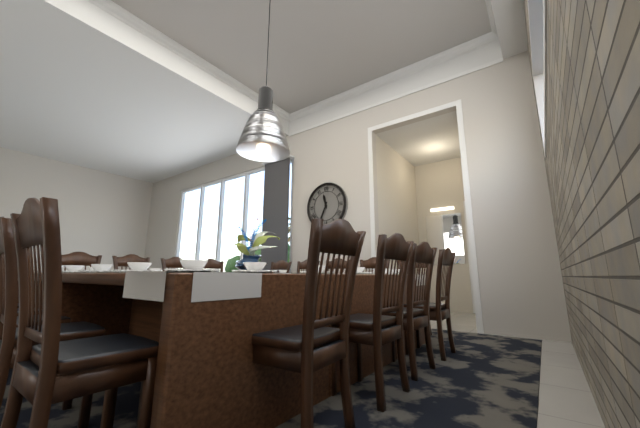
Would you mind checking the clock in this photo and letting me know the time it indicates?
11:34
